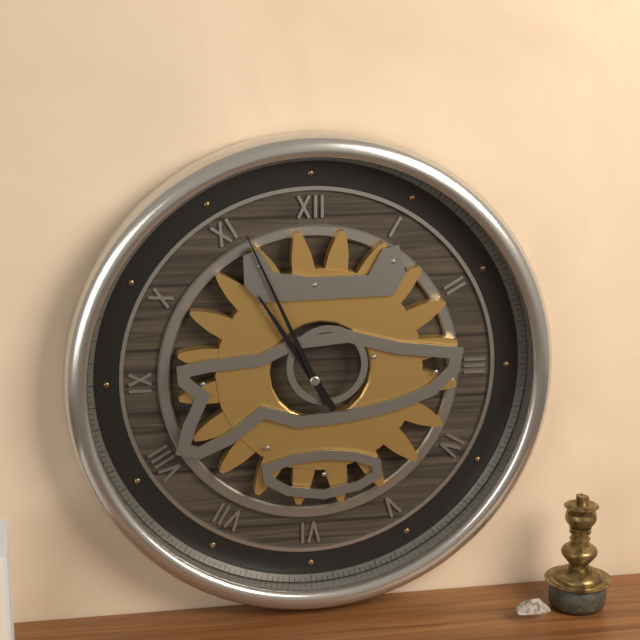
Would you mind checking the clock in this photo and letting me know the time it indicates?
10:56
